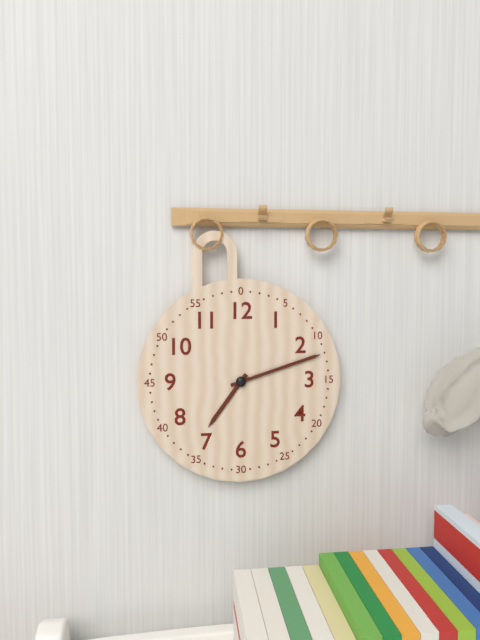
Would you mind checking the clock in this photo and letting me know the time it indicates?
7:12
